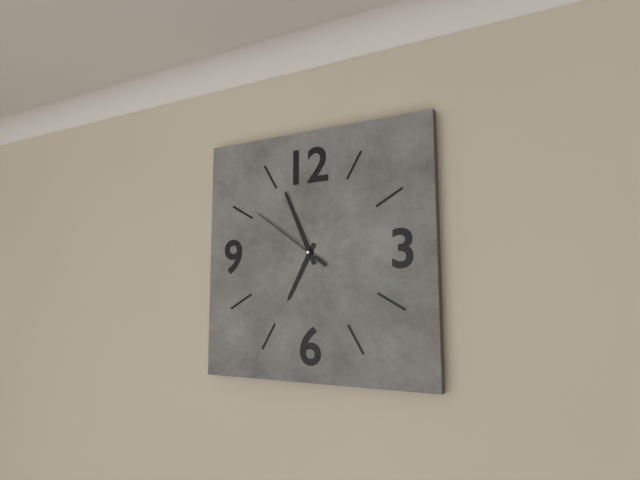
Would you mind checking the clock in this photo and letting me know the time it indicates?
6:56:51
